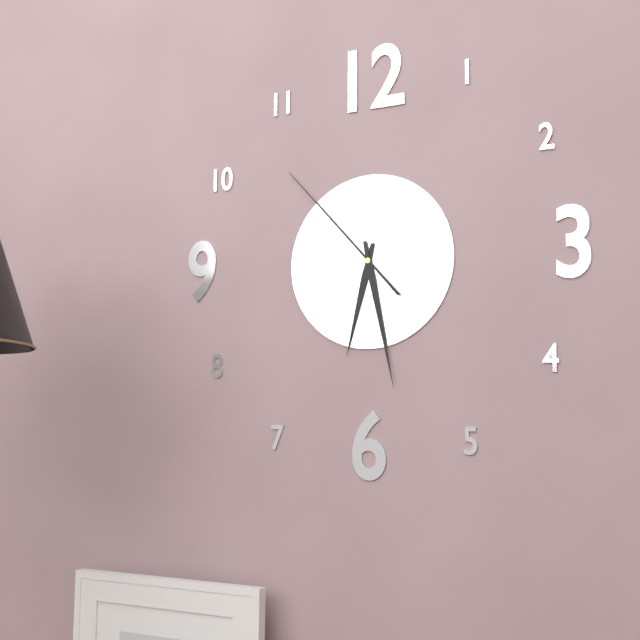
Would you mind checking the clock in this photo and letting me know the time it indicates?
6:28:53
